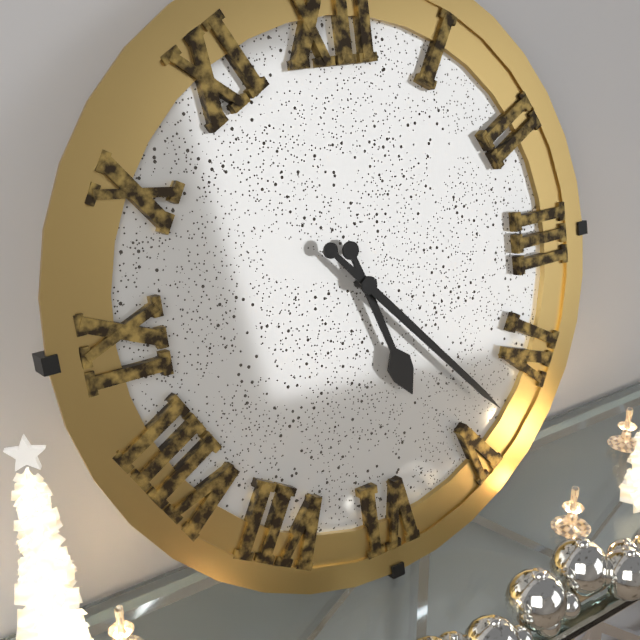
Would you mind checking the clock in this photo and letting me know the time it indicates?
5:23
